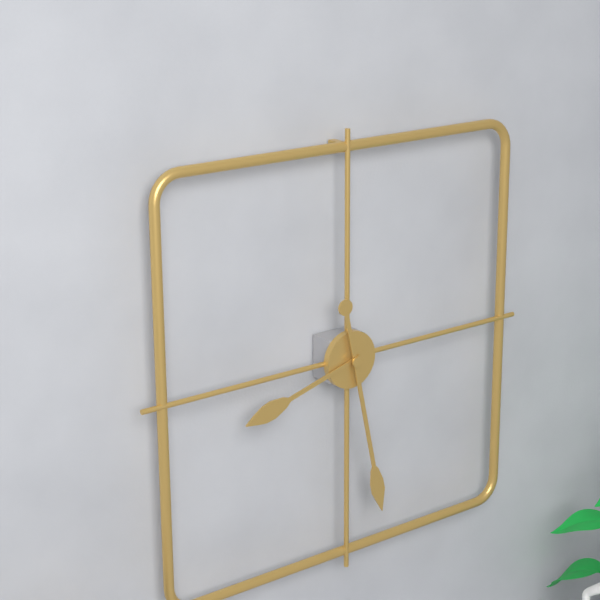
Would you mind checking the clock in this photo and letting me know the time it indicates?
8:28
